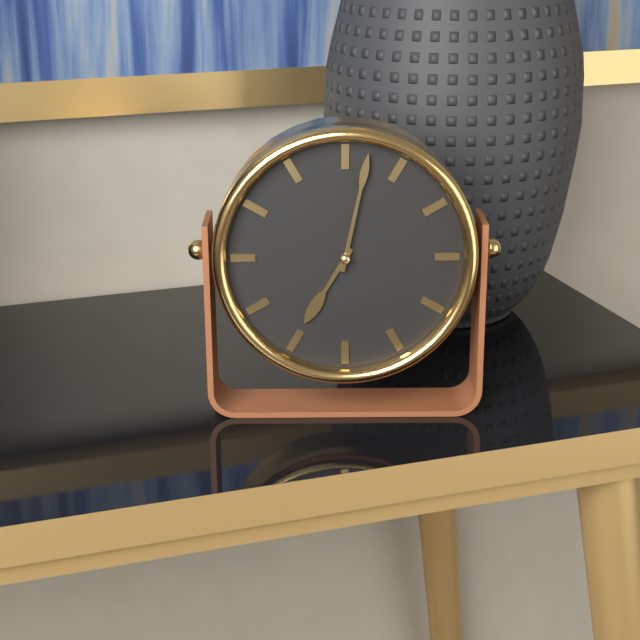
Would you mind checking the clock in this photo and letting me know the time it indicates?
7:02
